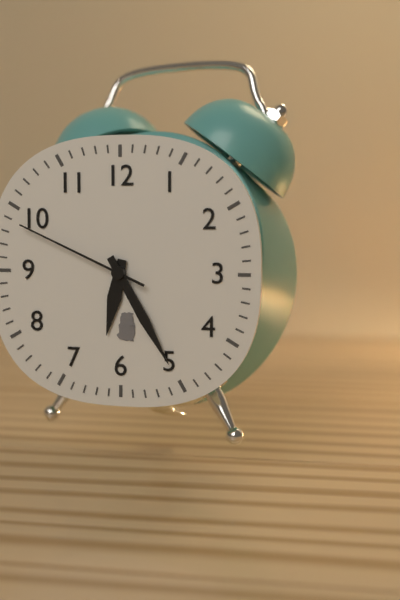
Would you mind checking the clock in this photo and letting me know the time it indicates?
6:25:49
